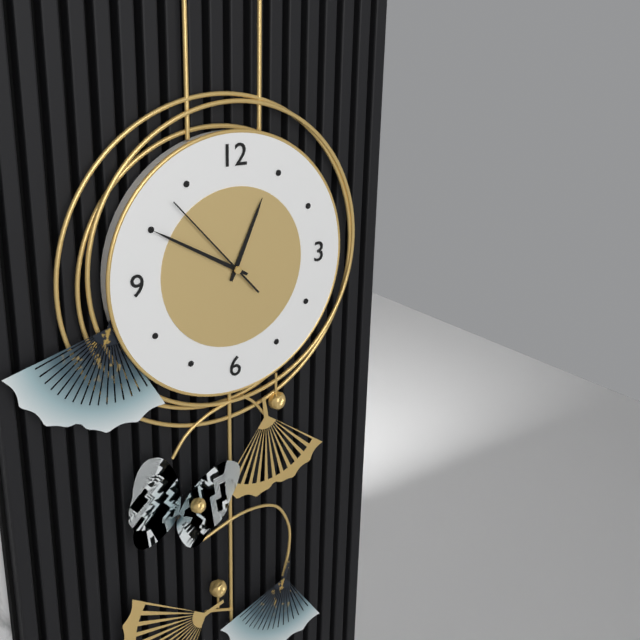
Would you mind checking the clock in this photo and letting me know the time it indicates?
12:50:53
